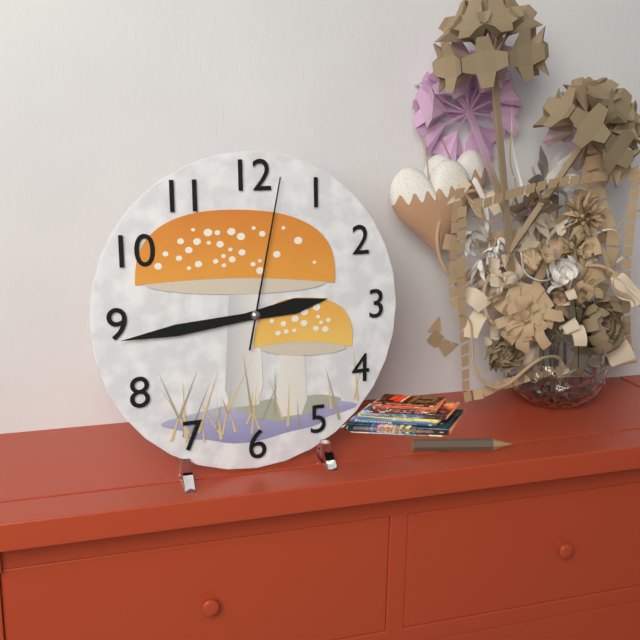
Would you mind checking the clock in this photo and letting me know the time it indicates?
2:44:02
